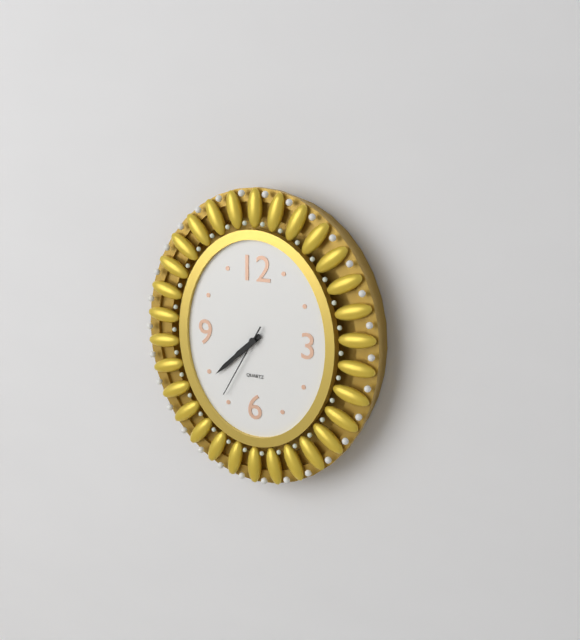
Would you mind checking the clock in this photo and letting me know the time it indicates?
7:38:35
